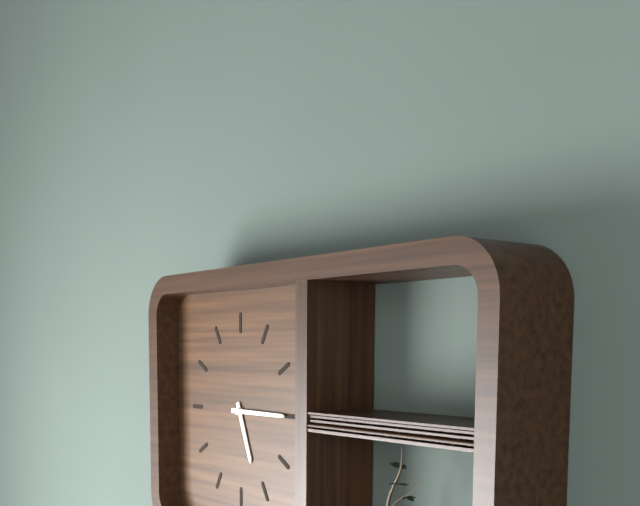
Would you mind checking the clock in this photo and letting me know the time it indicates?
5:15
